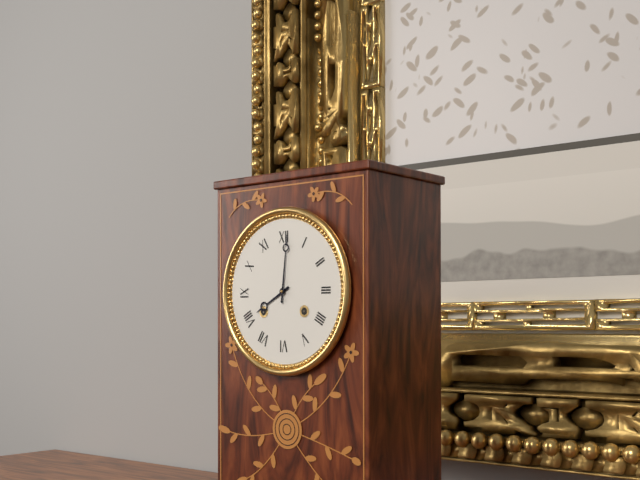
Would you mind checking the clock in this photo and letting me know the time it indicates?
8:01
